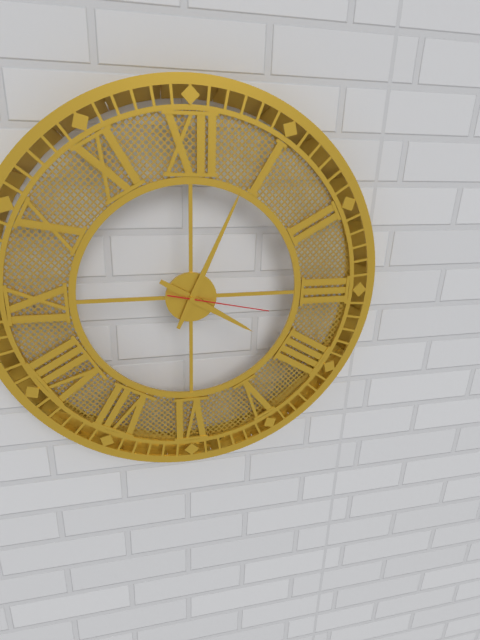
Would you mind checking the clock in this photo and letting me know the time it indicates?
4:04:17
